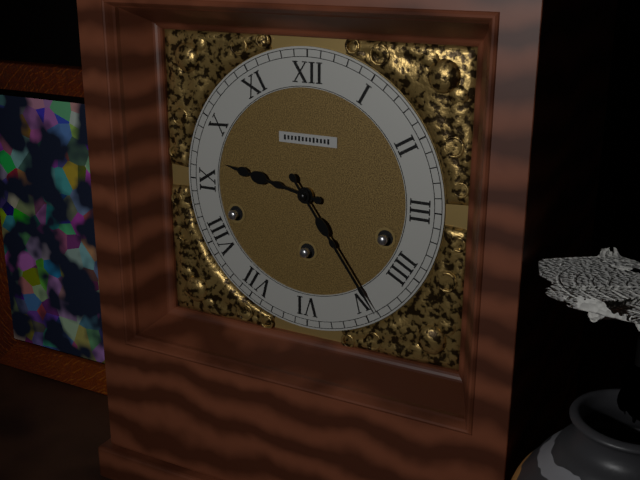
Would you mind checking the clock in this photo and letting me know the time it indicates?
9:24
